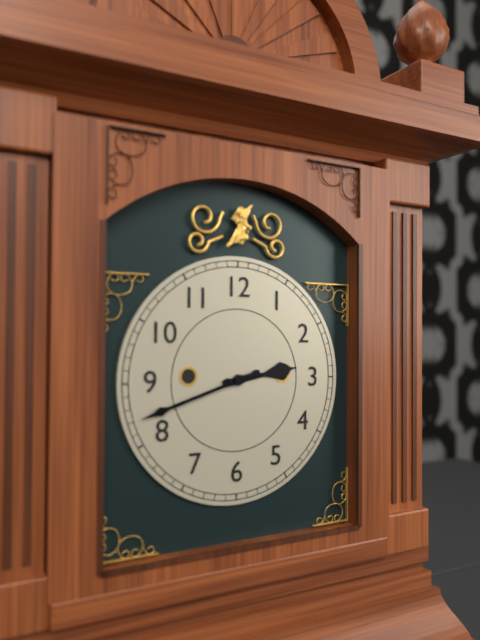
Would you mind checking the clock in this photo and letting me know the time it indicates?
2:42
